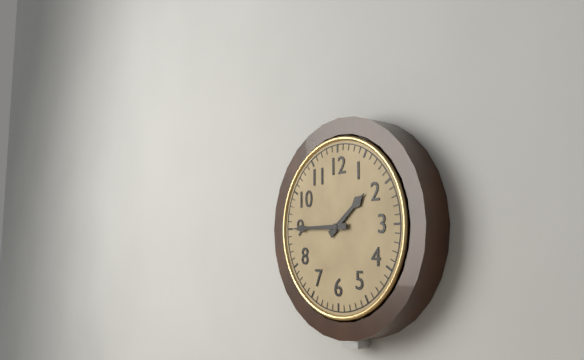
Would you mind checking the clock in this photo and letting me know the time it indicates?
1:45
